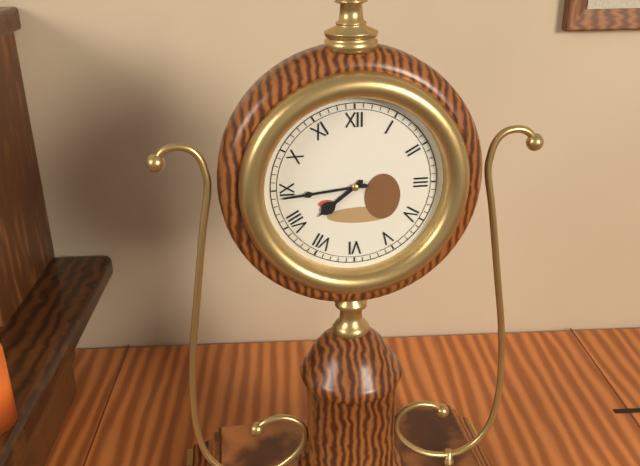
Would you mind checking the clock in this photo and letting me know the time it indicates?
7:44
